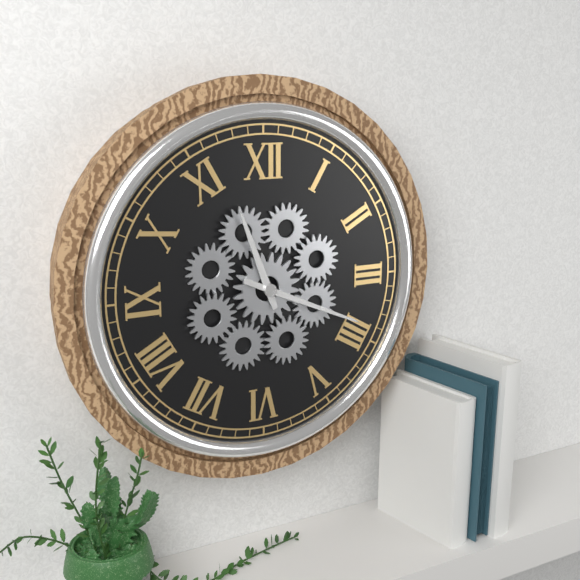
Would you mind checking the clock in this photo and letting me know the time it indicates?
11:19
